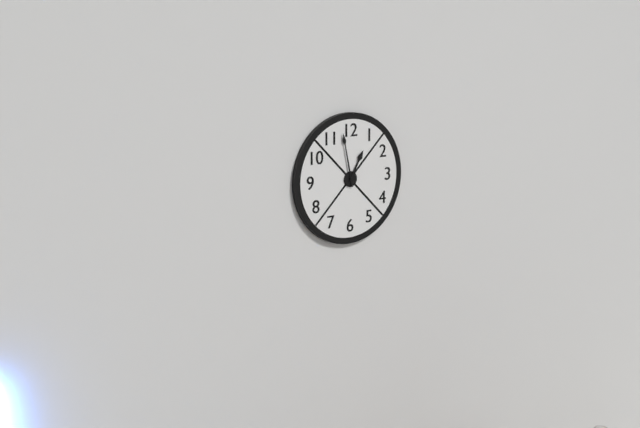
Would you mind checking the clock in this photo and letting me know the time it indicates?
12:58
